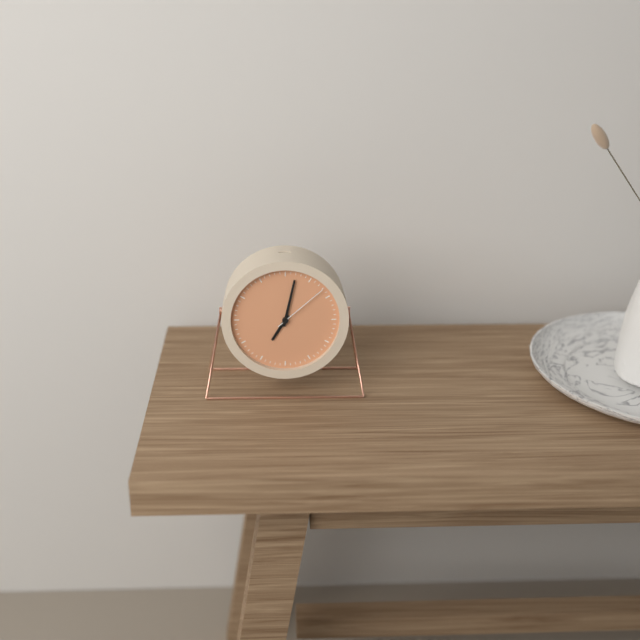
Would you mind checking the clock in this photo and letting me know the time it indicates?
7:02:08
